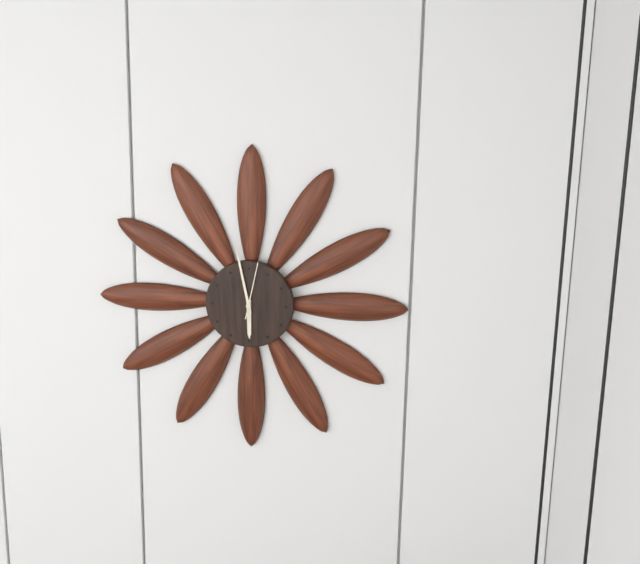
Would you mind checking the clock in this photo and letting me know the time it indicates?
5:58
